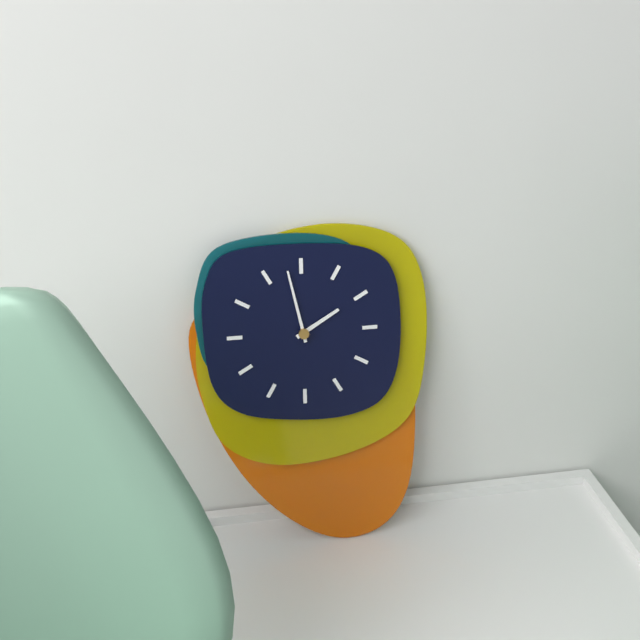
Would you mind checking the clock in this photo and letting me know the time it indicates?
1:58
